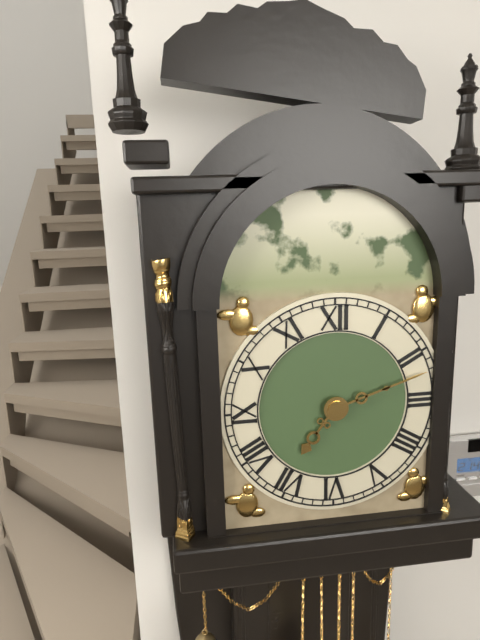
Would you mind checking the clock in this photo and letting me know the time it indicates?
7:12
